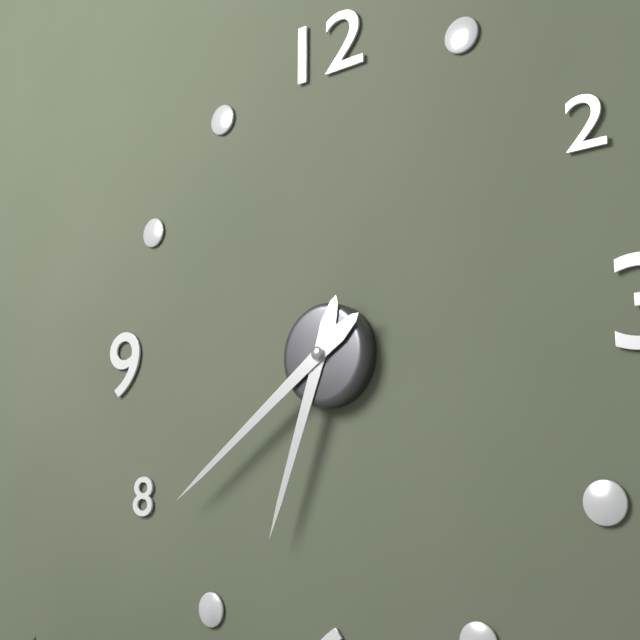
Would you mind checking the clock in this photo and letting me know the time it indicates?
6:39
